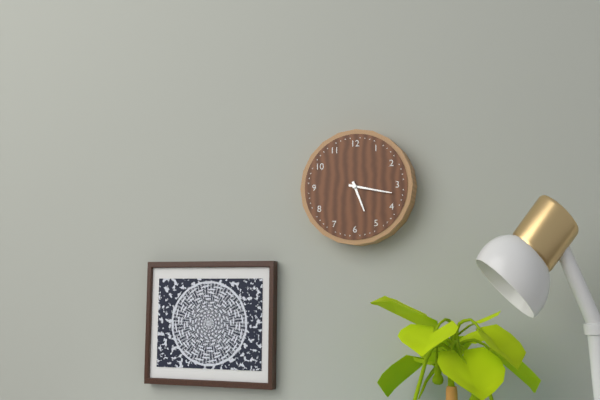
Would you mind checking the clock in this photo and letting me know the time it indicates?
5:17
